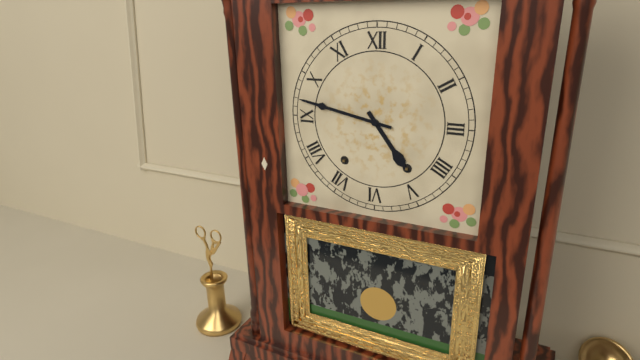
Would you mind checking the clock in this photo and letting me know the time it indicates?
4:47
